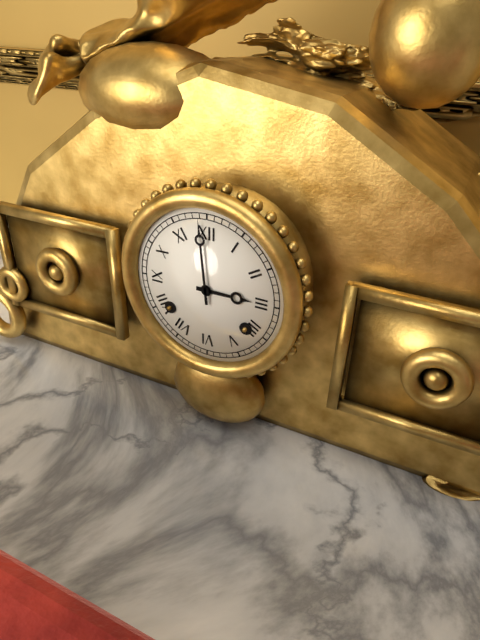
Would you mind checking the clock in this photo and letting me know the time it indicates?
2:59
